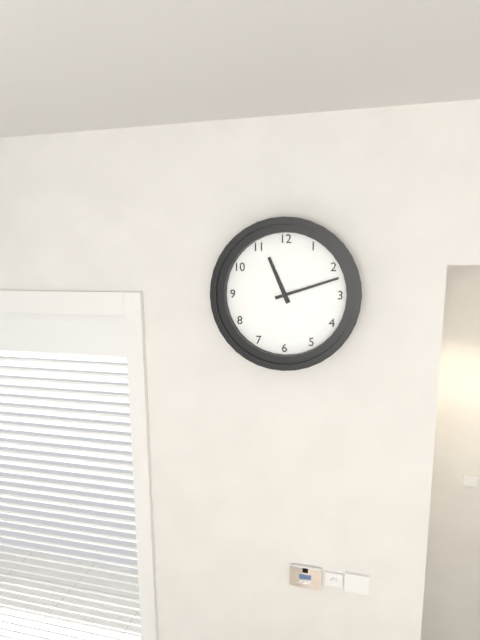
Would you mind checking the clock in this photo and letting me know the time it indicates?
11:12
